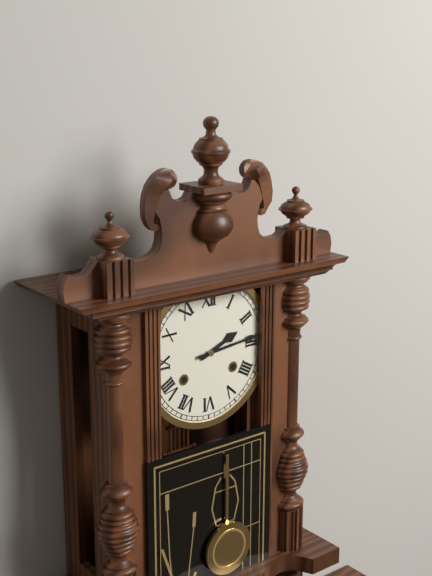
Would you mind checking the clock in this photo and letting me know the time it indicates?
2:14
